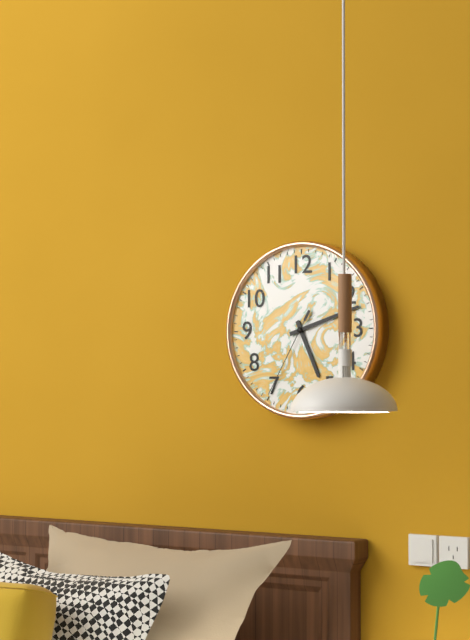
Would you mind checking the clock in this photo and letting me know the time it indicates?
5:12:35
